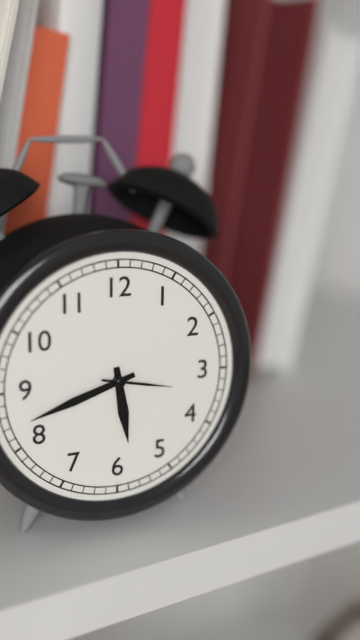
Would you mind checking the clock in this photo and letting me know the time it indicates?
5:42:17
